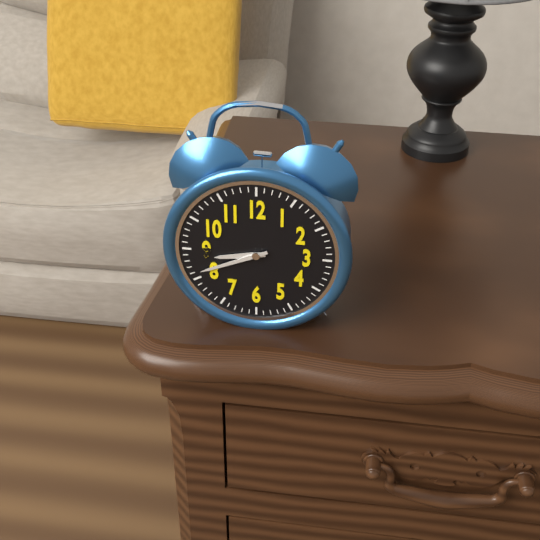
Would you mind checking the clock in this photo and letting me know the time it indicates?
8:41
